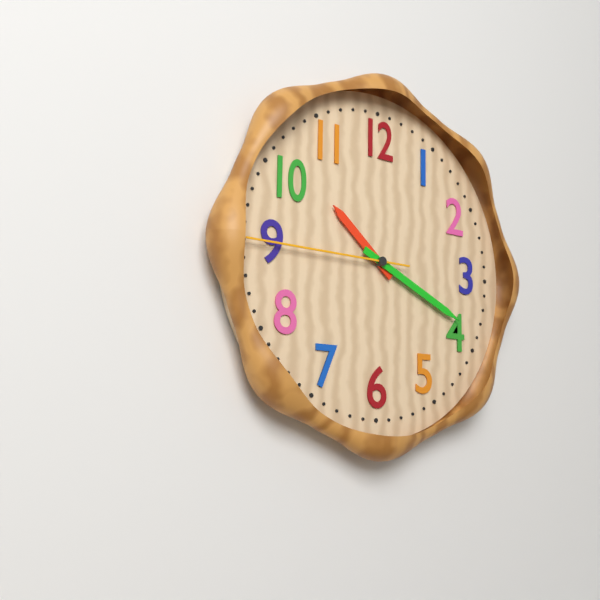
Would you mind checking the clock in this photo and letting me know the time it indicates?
10:19:45
